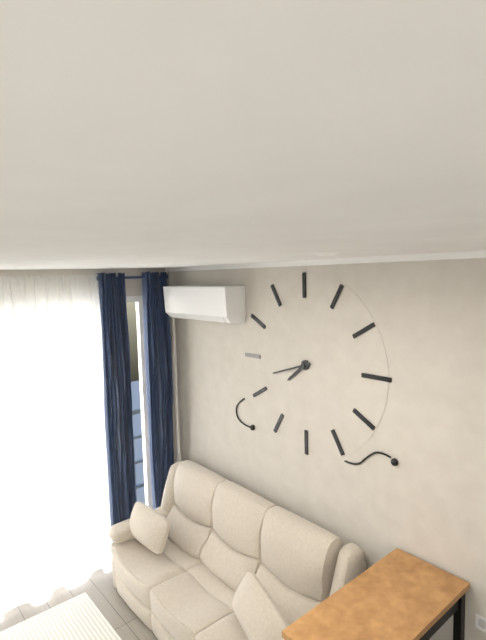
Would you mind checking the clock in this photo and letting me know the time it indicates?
7:42
